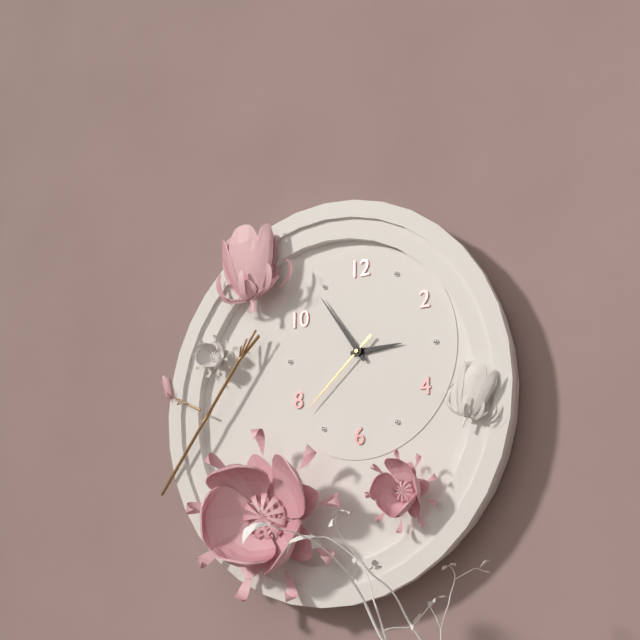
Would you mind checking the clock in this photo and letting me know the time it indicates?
2:54:38
